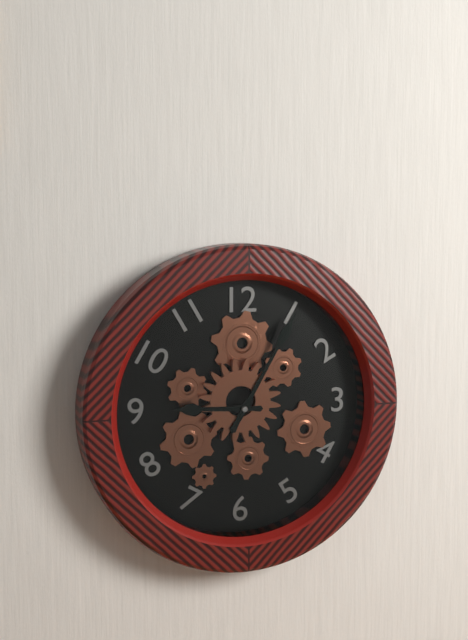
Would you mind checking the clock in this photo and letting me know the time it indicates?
9:05
